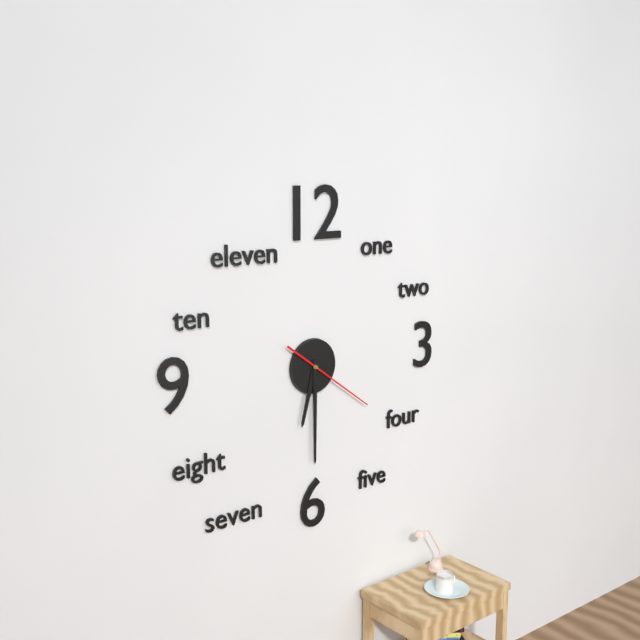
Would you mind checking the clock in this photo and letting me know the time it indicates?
6:30:21
